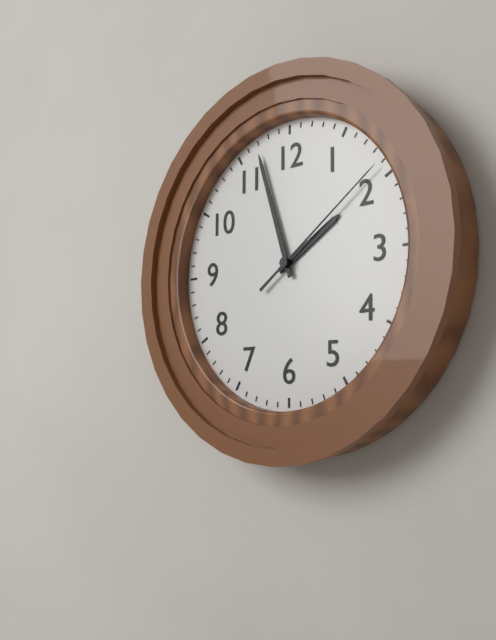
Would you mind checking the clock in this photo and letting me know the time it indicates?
1:57:09
